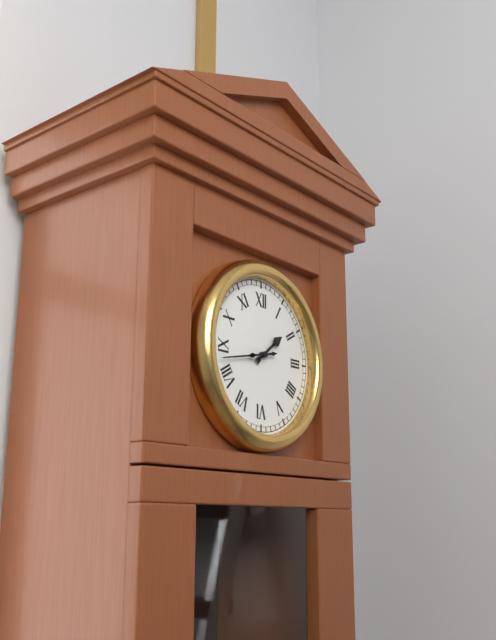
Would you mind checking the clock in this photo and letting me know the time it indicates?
1:43
